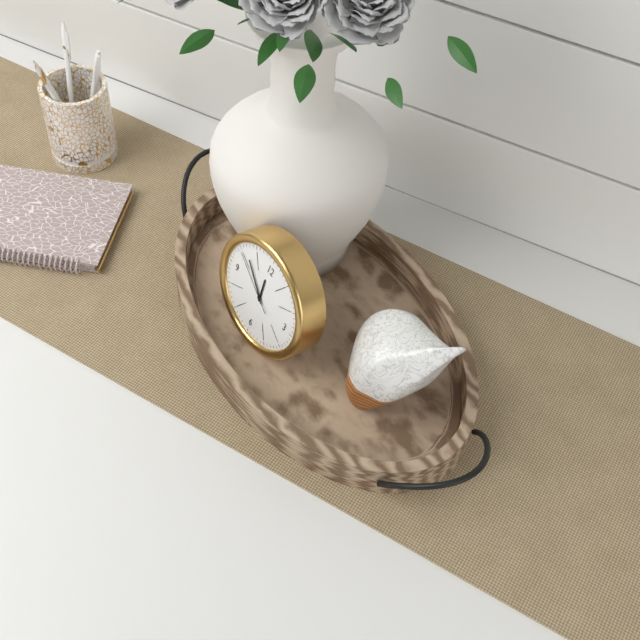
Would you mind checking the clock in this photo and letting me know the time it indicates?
11:52:50
